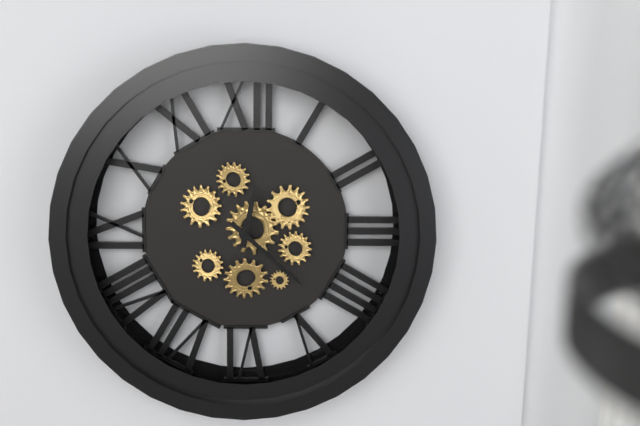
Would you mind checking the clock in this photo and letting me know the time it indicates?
12:22
